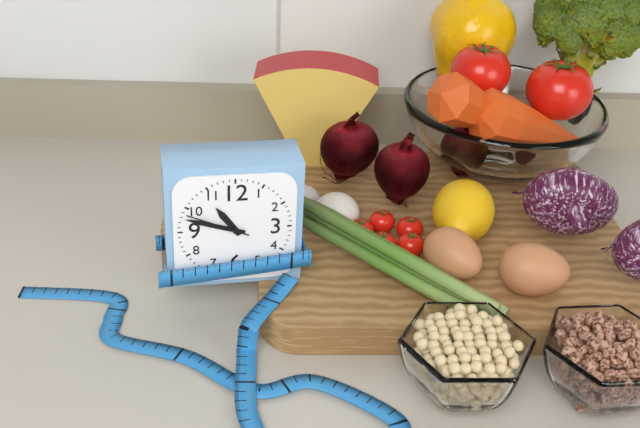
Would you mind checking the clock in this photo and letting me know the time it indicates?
10:48:49
